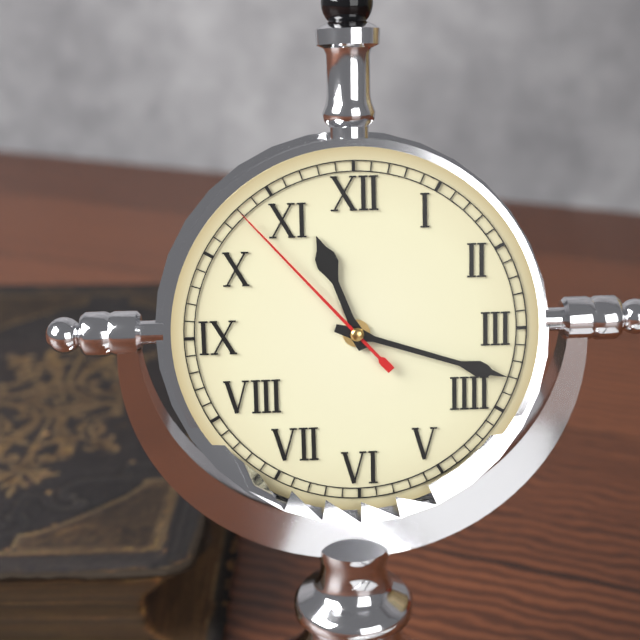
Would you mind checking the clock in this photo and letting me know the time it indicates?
11:18:53
